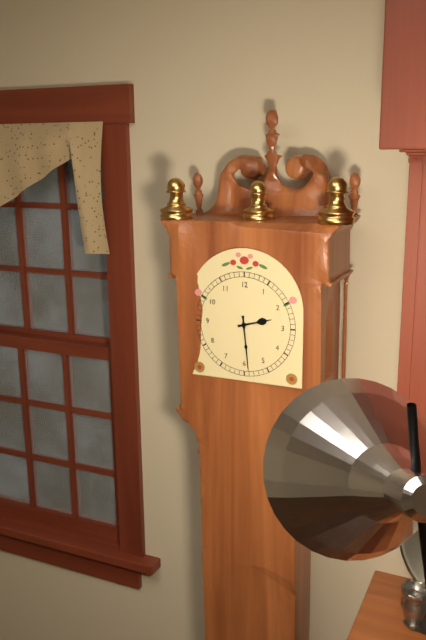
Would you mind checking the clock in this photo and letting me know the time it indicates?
2:29
